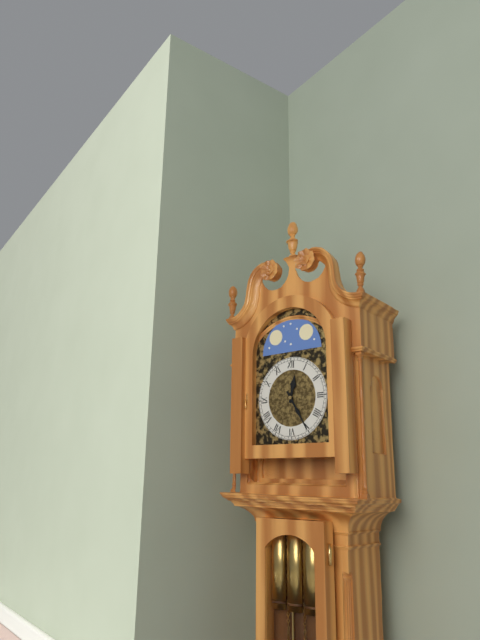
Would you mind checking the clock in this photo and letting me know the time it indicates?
12:25
